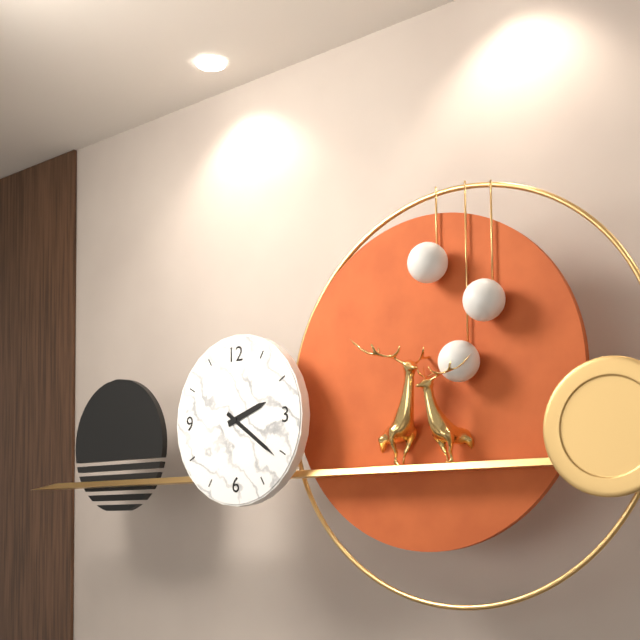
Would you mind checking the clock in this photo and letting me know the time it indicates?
2:21
